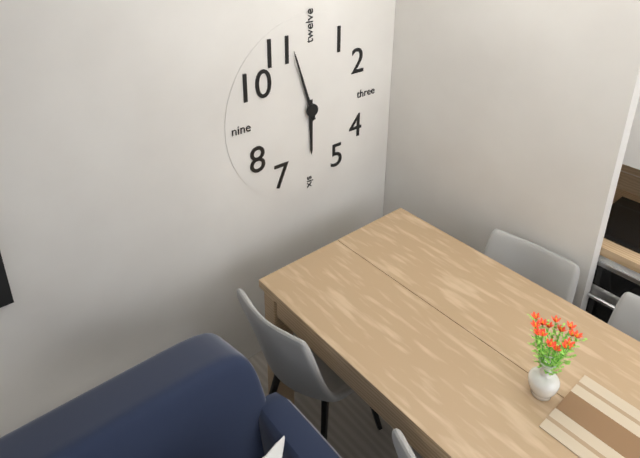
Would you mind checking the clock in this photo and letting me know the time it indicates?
5:57
